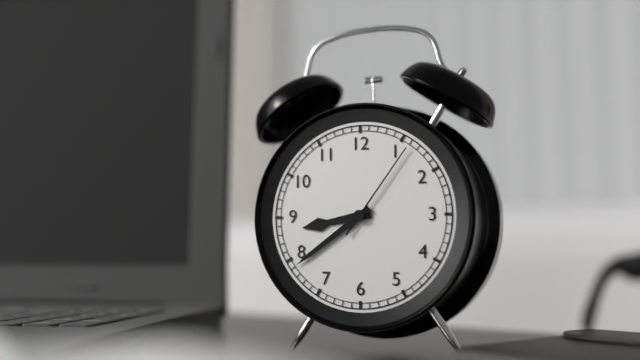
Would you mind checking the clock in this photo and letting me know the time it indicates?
8:39:06
